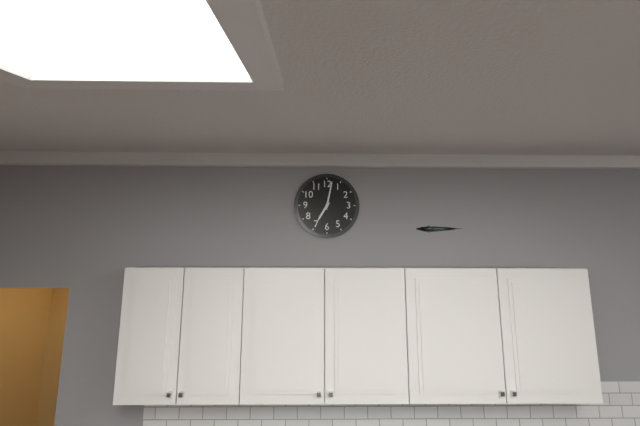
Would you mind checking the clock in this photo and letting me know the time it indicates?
7:02
